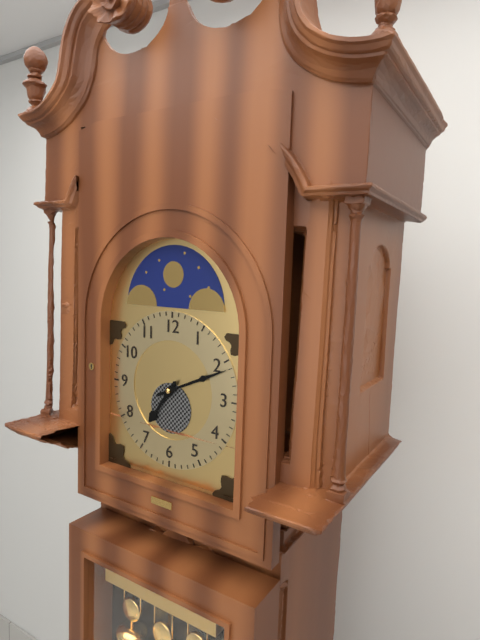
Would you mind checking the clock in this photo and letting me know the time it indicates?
7:11
